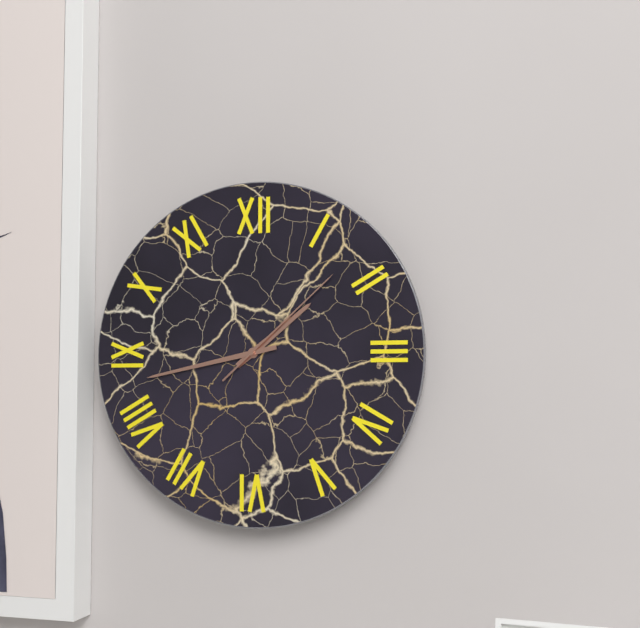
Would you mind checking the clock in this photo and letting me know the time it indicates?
1:43:08
